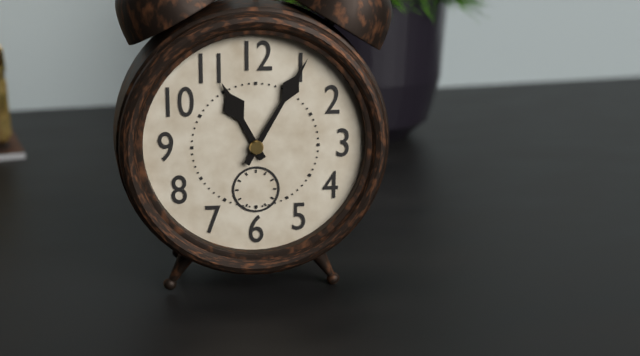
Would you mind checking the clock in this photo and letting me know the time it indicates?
11:05
